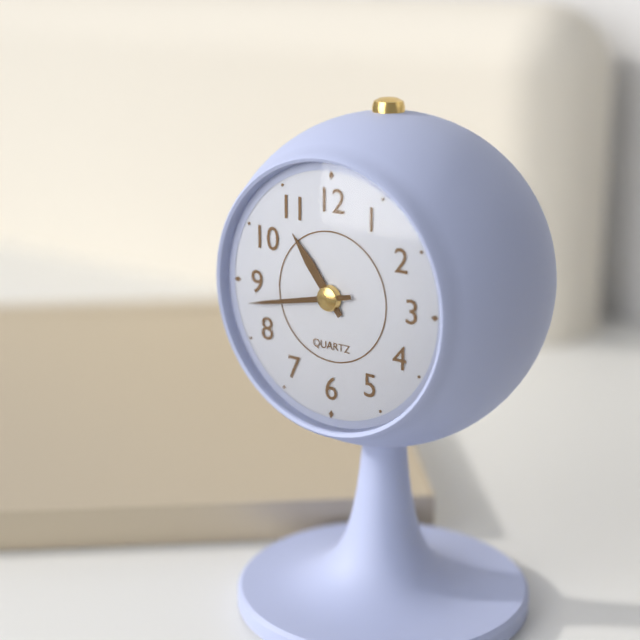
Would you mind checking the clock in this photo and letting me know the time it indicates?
10:43
